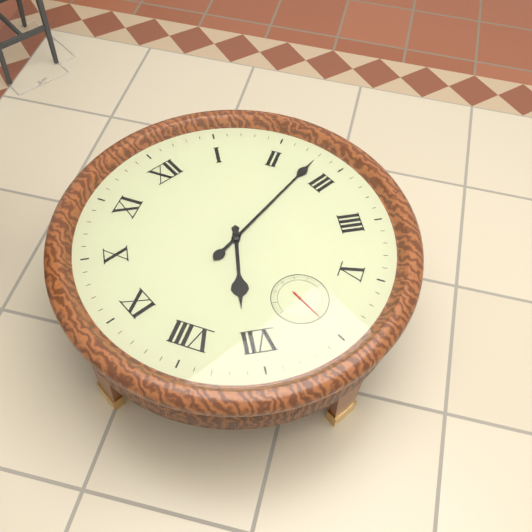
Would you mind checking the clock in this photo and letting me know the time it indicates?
7:13
